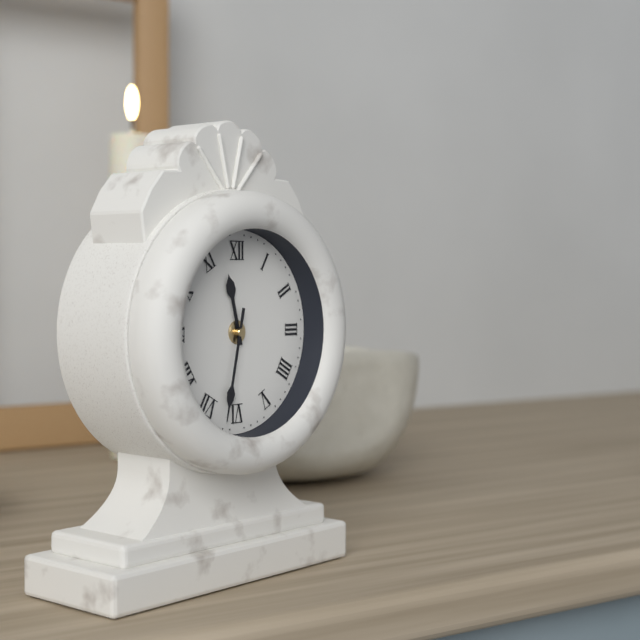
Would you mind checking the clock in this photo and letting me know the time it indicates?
11:32
